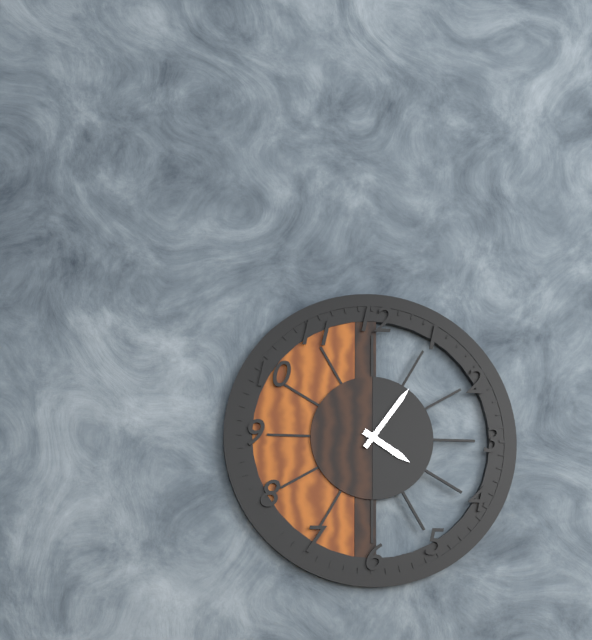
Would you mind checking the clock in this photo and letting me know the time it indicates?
4:06
